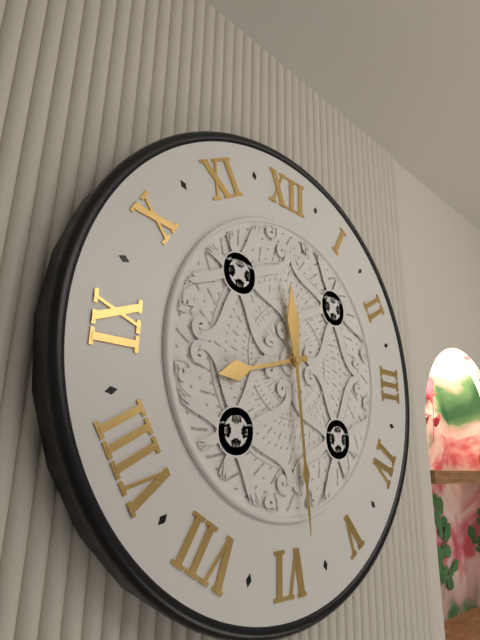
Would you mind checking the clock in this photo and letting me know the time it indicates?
8:29
